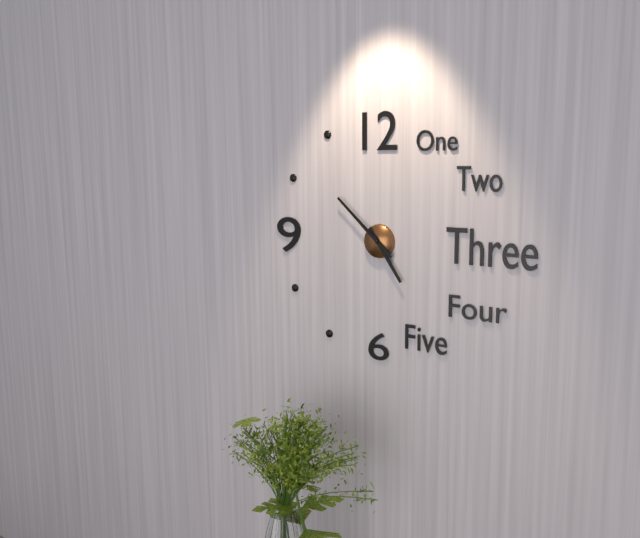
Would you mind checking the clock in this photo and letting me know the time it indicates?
4:52
